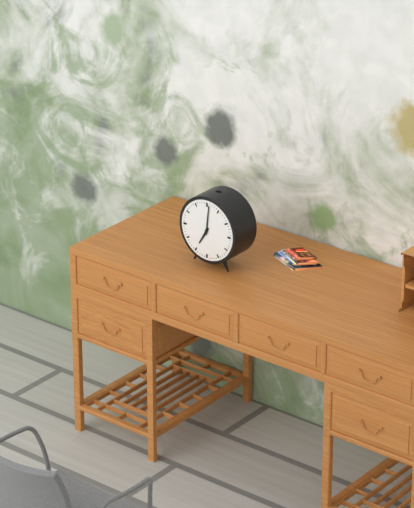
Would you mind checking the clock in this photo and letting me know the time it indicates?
7:01
